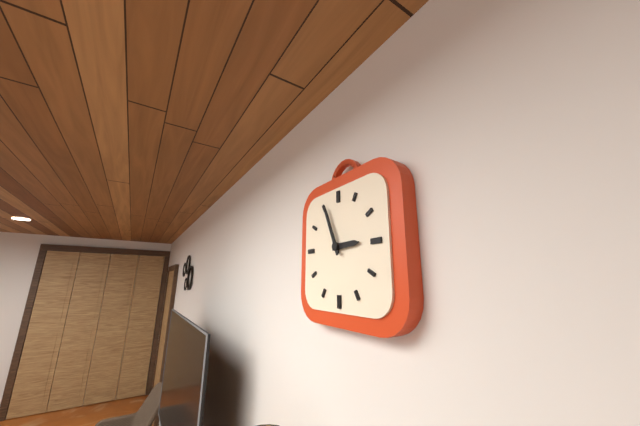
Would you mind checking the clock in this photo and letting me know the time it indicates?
2:56
